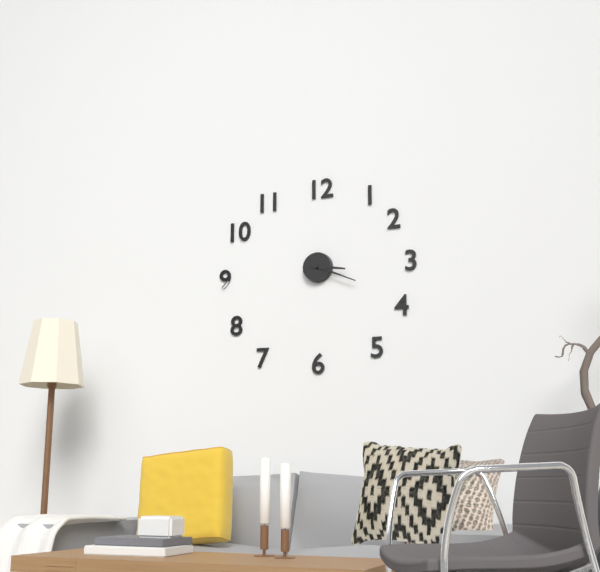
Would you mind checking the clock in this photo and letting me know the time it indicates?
3:19
